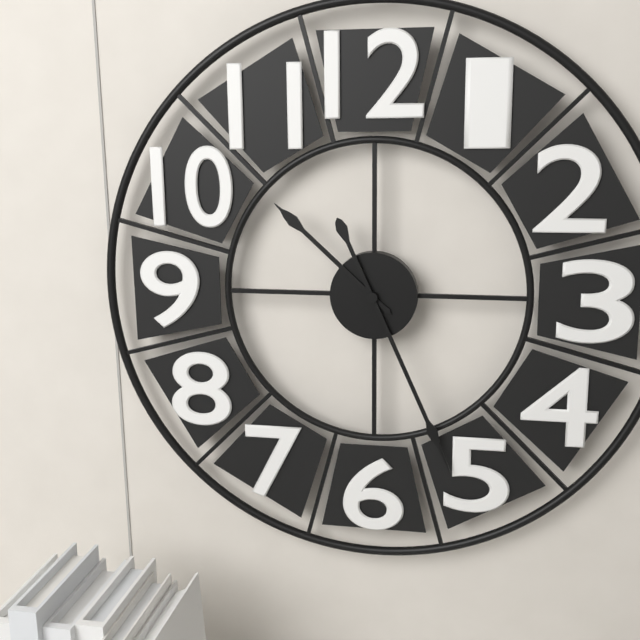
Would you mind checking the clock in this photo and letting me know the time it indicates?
10:26
